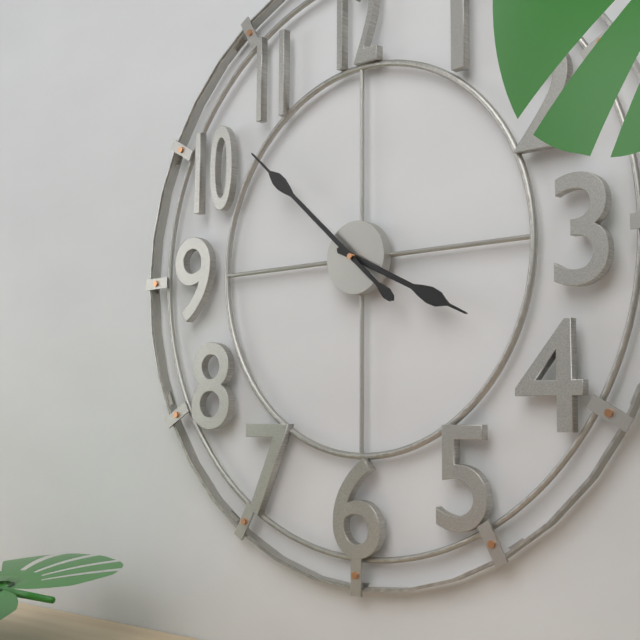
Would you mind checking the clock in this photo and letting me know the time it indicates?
3:52
